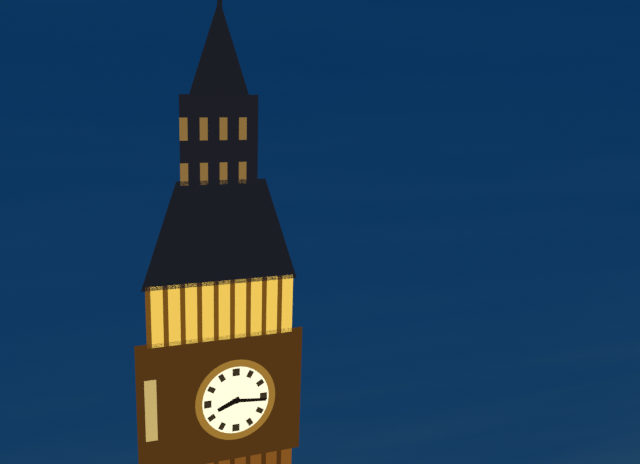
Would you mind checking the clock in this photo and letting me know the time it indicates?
8:16
